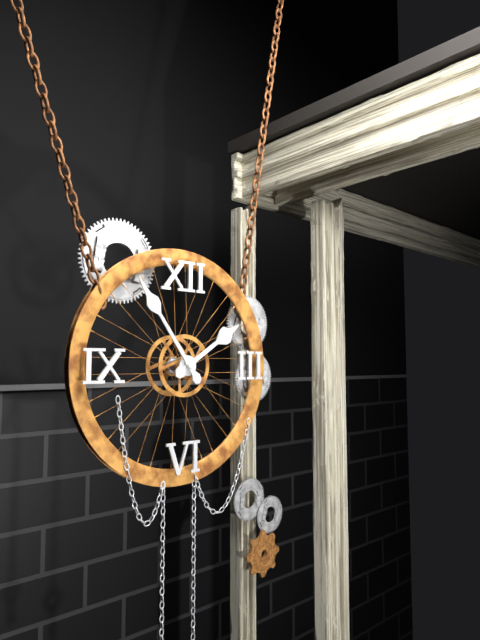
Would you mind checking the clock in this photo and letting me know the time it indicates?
1:54
